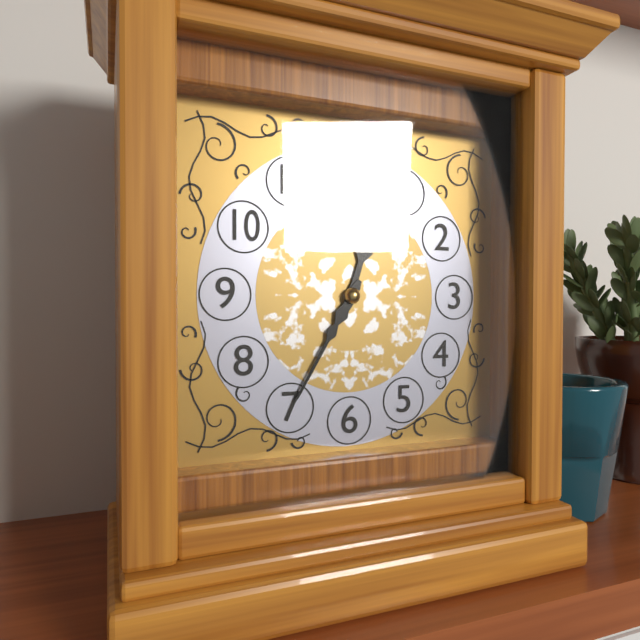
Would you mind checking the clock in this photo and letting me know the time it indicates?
12:35
